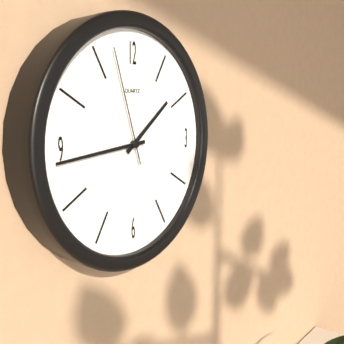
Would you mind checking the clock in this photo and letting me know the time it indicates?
1:44:57
